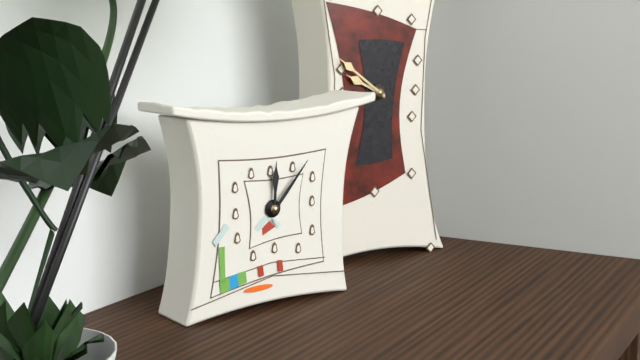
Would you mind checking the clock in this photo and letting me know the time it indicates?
9:51
